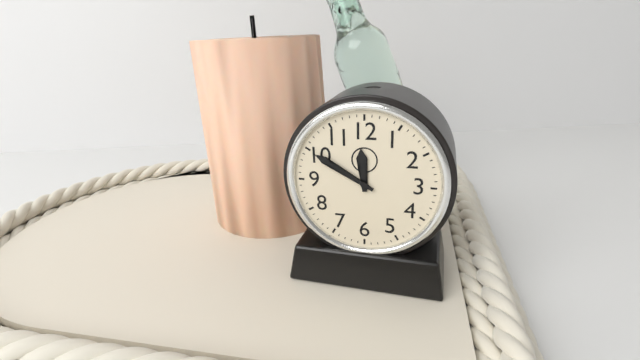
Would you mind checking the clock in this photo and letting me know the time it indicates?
11:50
